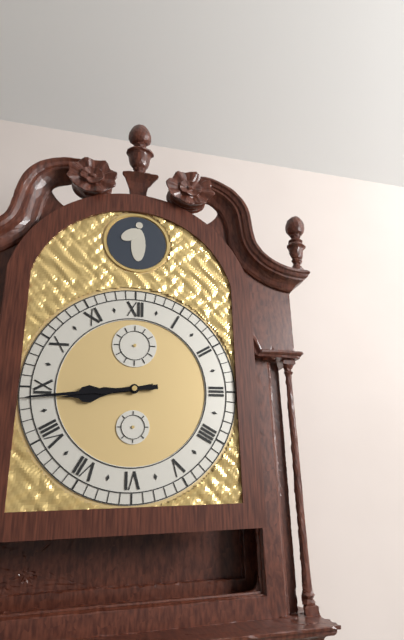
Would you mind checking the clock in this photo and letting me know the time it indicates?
8:44
